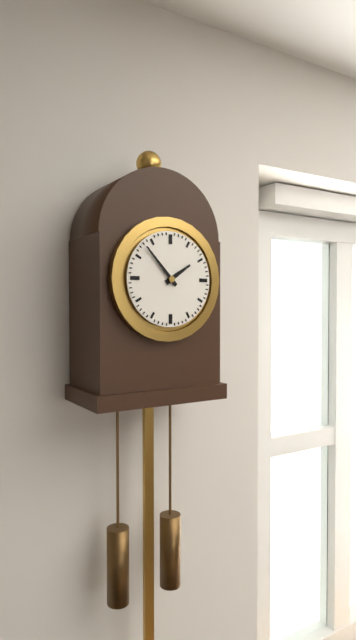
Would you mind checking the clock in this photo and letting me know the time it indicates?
1:53
